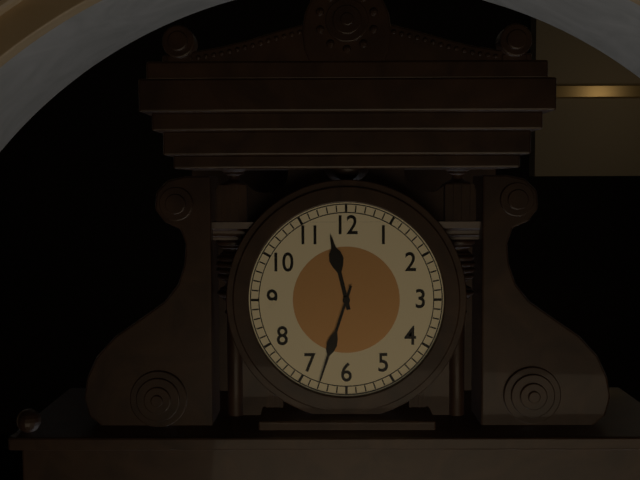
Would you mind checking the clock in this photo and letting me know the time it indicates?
11:33
